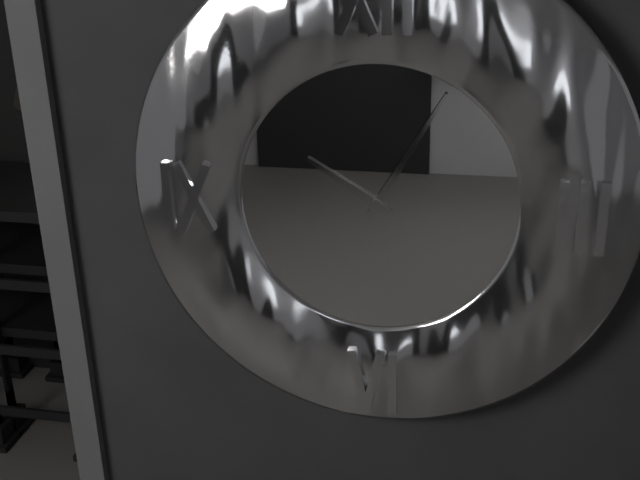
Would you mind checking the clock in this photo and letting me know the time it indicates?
10:05
